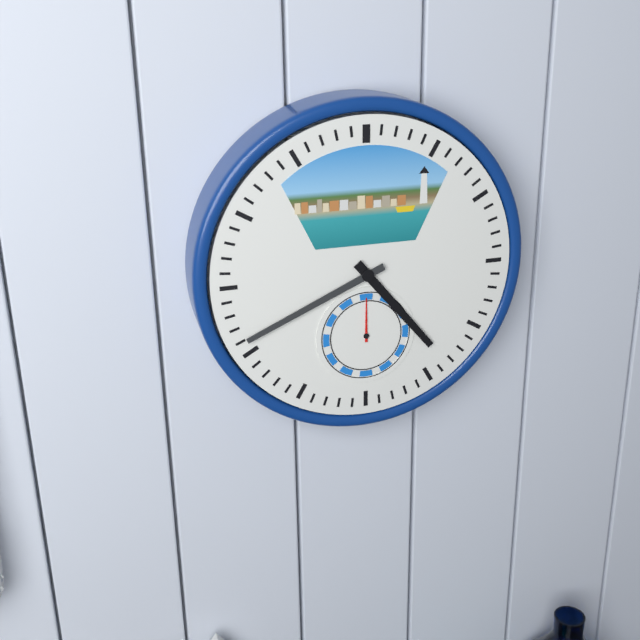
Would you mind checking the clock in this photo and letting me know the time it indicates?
4:41
